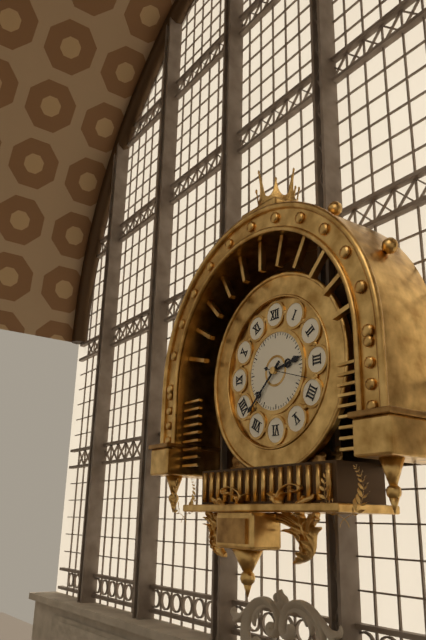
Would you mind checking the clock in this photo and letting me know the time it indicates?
2:38
